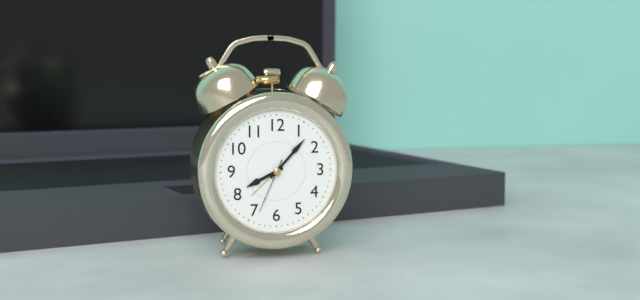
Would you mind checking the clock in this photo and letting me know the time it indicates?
8:07:34
